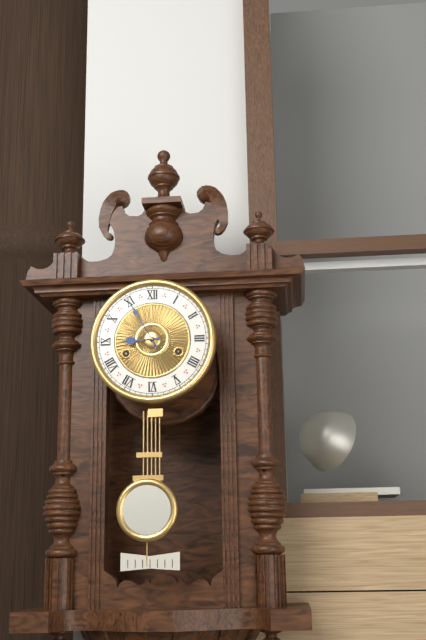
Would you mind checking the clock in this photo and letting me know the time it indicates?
8:55
